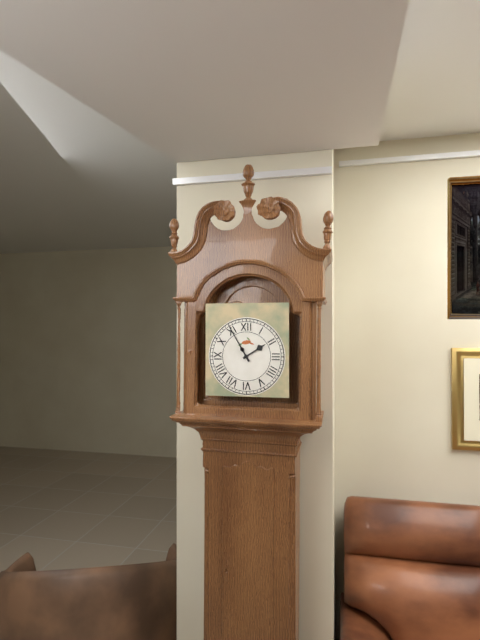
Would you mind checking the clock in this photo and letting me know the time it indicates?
1:55
